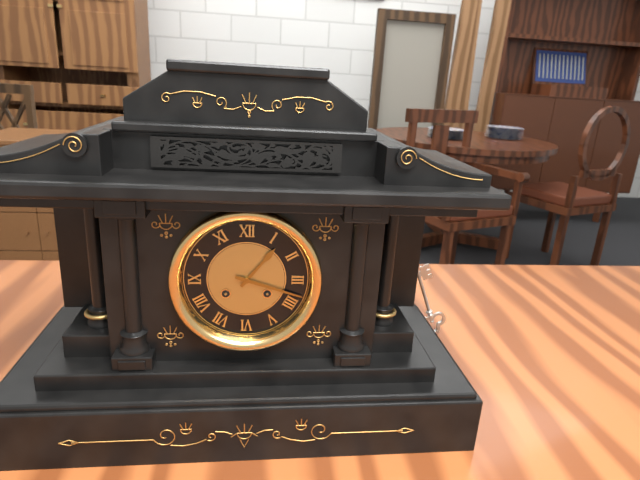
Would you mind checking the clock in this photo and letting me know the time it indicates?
1:18
